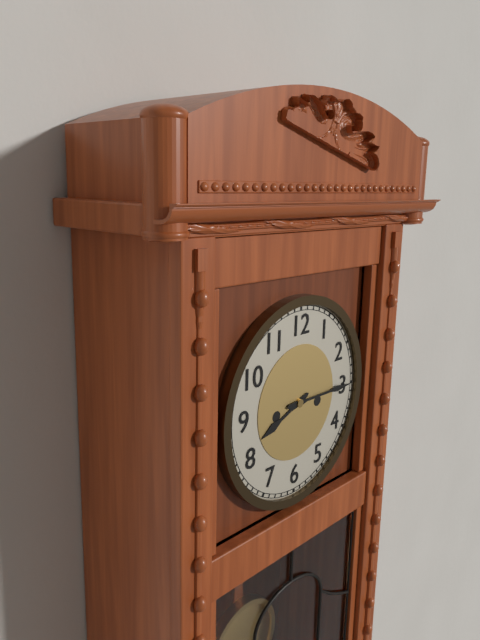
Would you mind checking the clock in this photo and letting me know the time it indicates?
8:15
